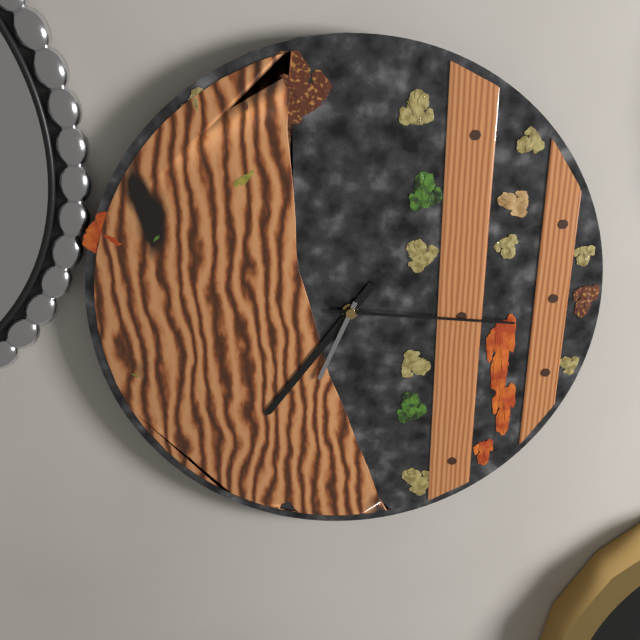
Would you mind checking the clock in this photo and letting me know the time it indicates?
7:16:34
